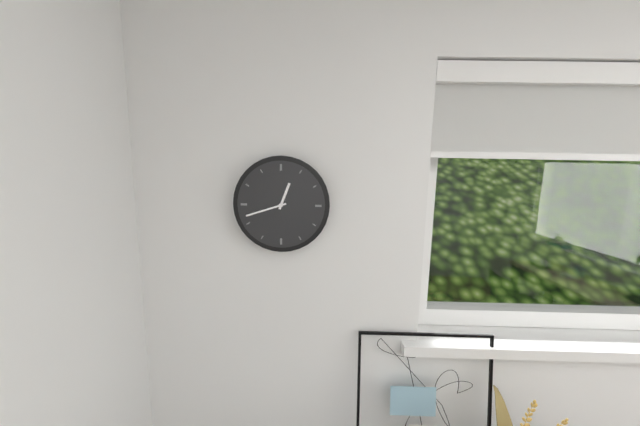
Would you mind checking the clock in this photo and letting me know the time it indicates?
12:42
